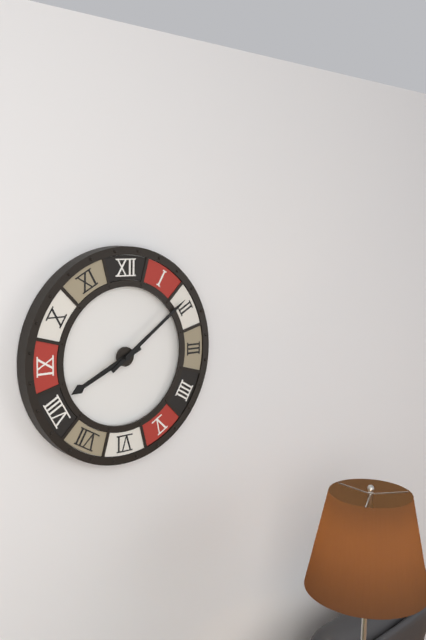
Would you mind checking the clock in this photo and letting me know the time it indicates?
8:09
